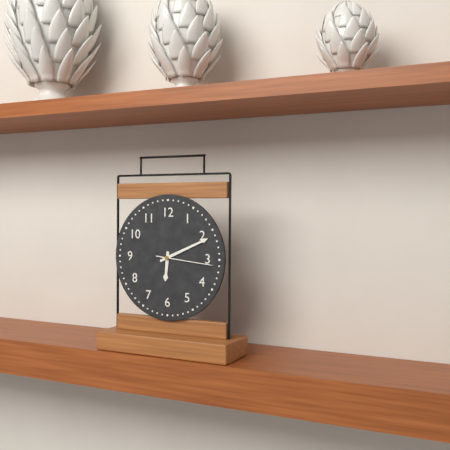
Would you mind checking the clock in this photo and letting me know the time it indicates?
6:11:16
